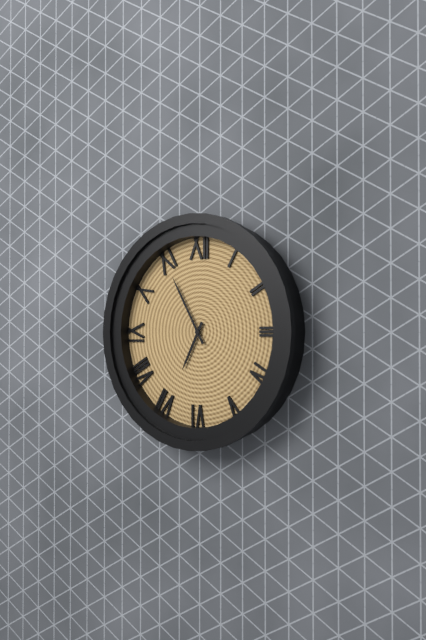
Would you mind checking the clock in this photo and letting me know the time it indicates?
6:55
